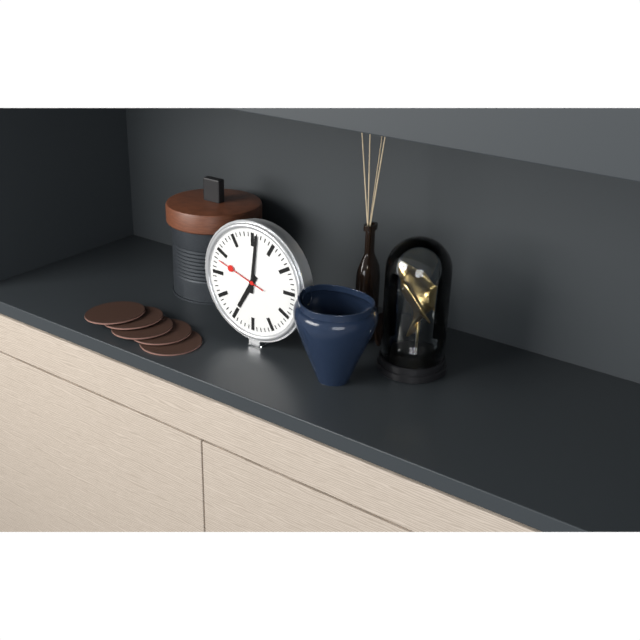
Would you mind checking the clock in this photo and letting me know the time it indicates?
7:01:48
